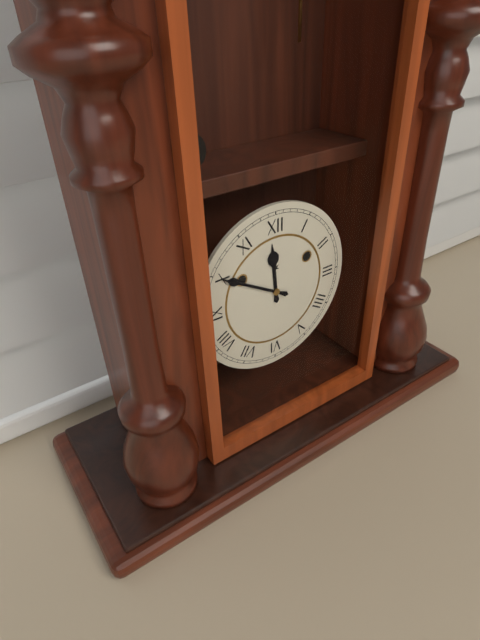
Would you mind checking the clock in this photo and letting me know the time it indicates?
11:50
